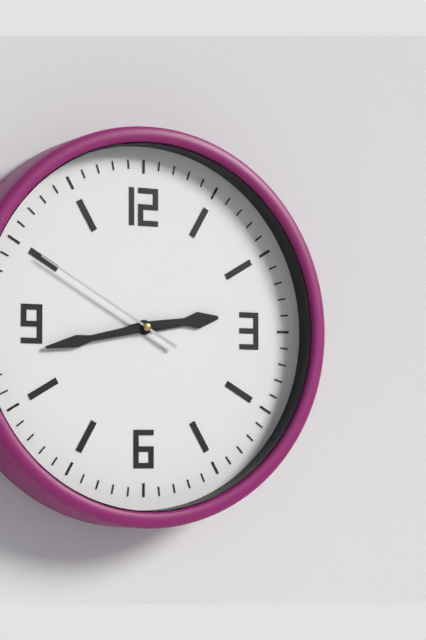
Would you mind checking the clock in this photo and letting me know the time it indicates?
2:43:50
